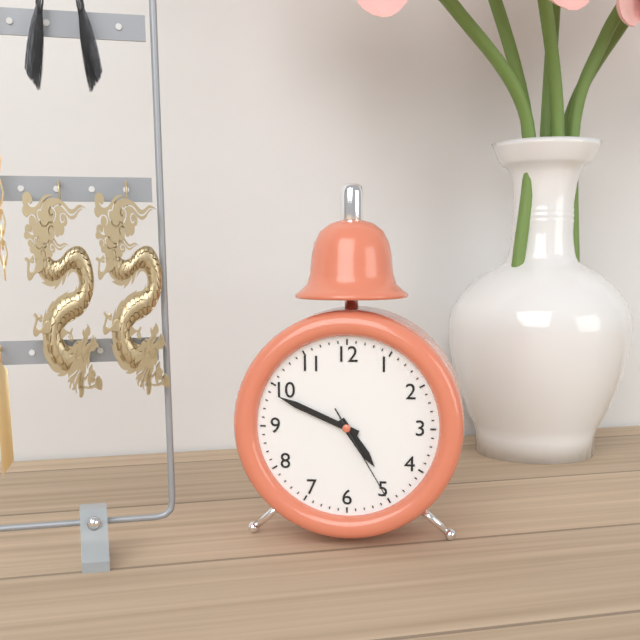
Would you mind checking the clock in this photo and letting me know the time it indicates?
4:49:25
